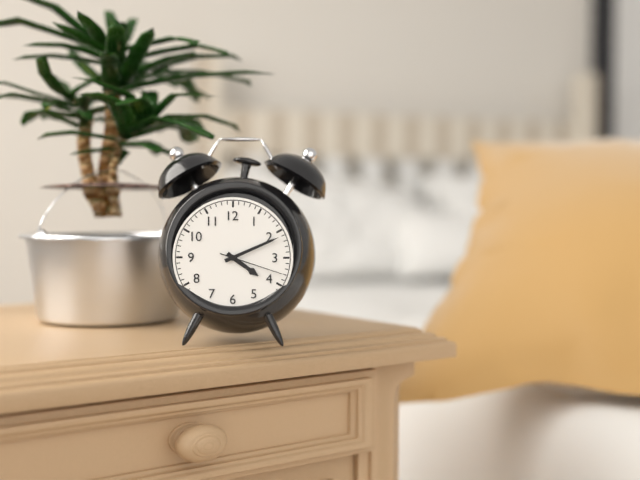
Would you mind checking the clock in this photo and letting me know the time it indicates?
4:11:18
